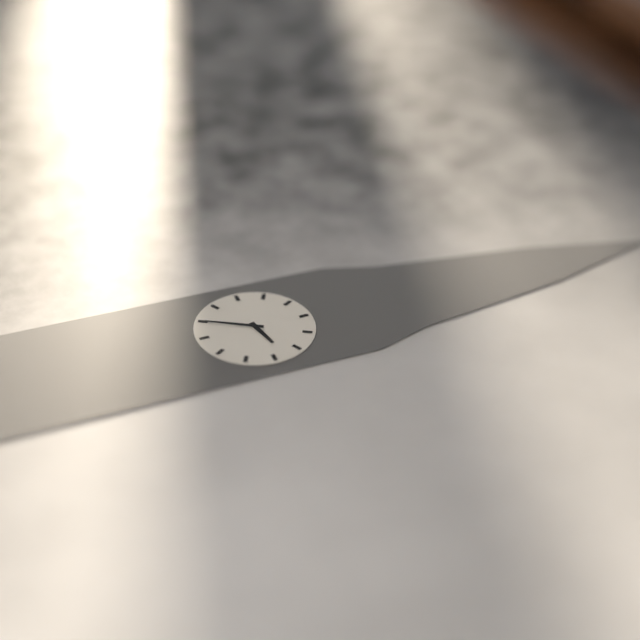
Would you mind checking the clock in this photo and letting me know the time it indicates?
2:35
